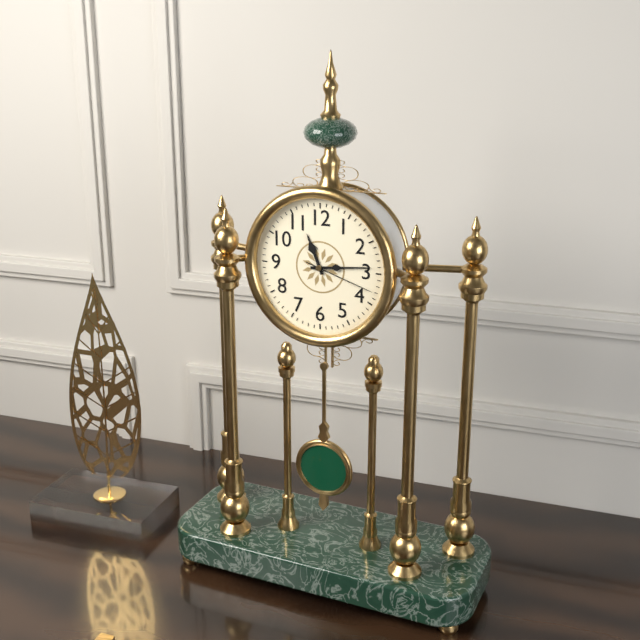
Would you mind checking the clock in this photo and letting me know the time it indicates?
11:14:18
